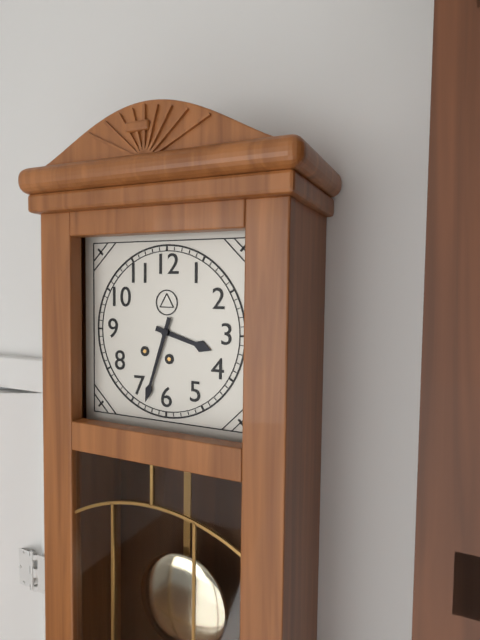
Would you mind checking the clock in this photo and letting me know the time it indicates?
3:33
